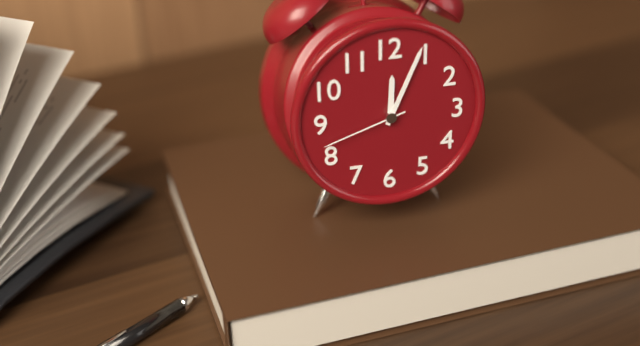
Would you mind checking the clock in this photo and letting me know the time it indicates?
12:04:42
